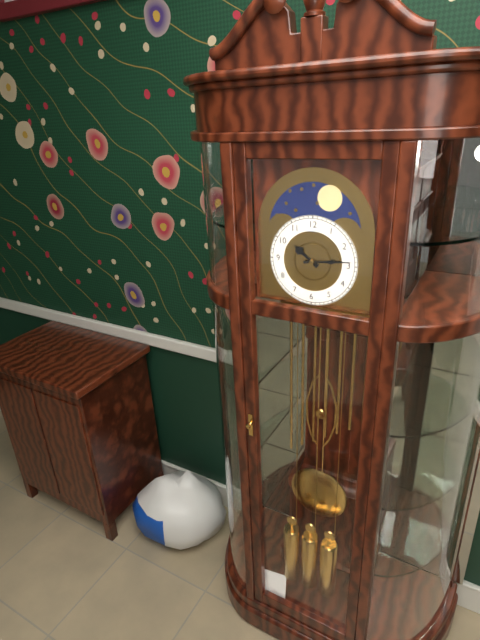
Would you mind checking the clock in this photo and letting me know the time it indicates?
10:14
